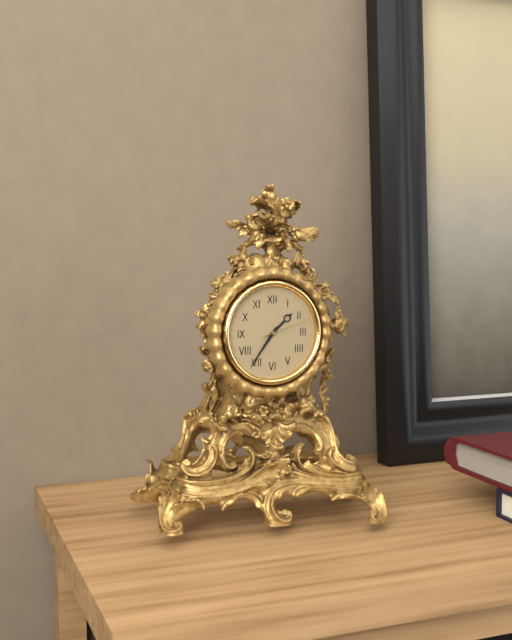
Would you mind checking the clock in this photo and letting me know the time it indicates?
1:36:12
